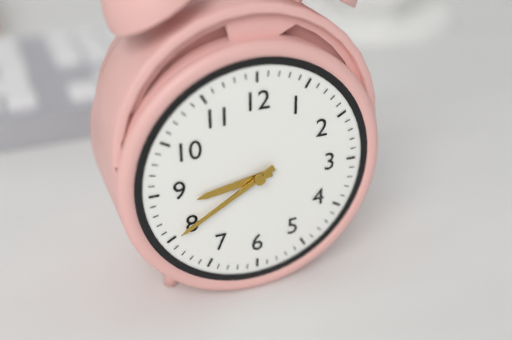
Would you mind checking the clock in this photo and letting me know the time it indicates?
8:40
